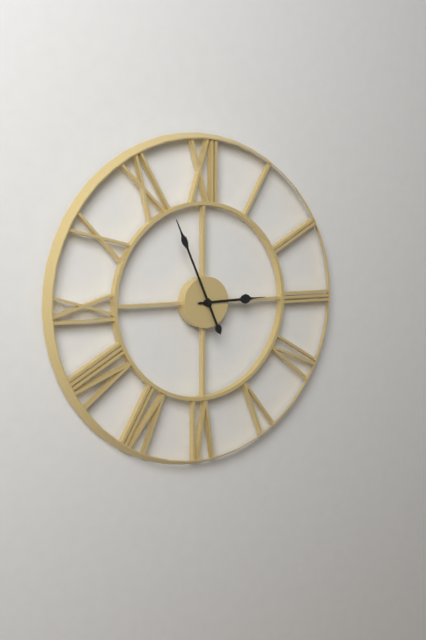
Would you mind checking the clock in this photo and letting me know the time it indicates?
2:56
